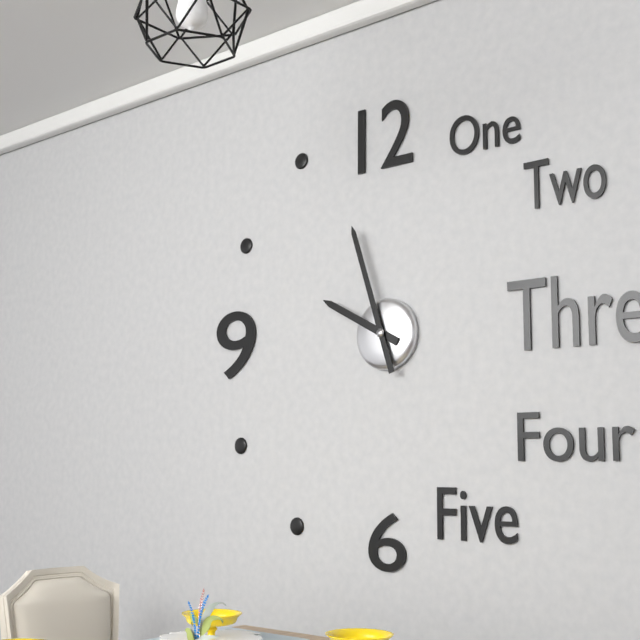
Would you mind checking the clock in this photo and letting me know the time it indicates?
9:57
